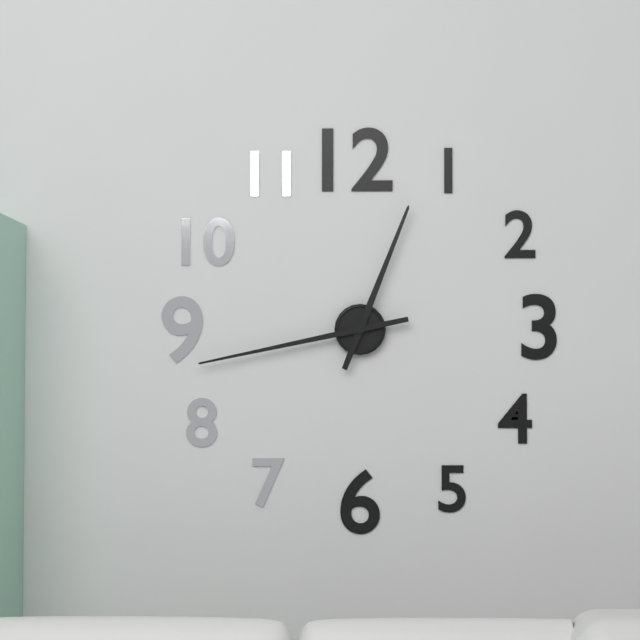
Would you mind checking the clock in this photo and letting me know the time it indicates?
12:43
